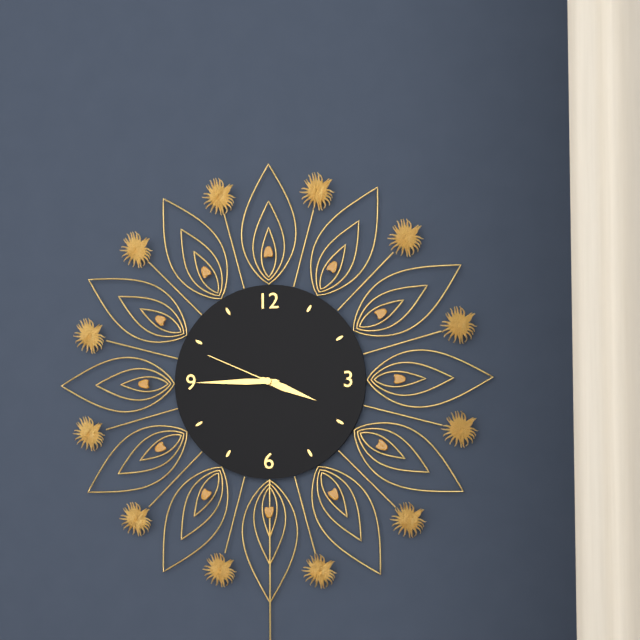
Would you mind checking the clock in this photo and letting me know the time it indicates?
3:45:49
